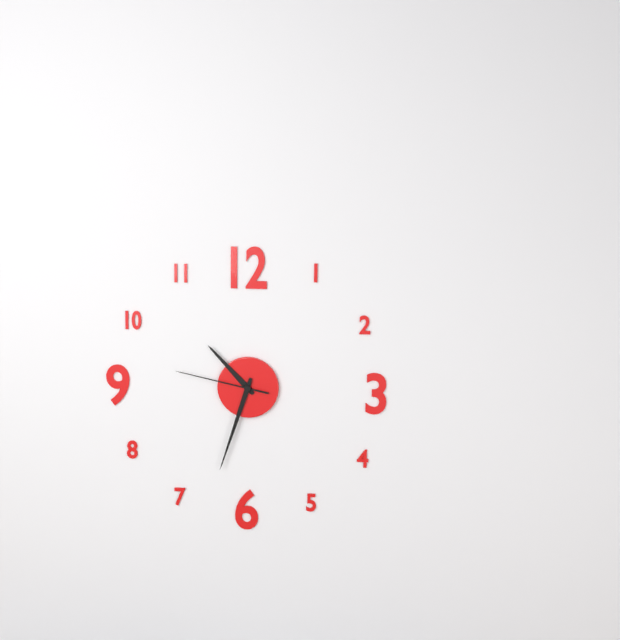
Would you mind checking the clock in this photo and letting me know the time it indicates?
10:33:47
